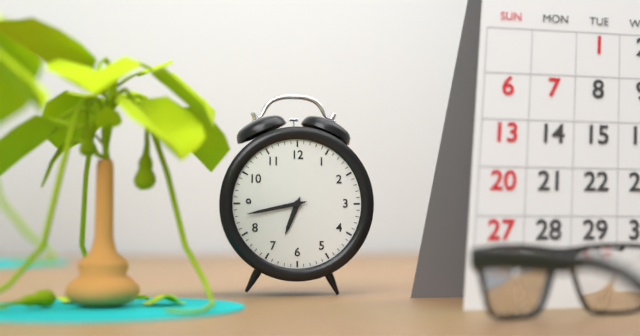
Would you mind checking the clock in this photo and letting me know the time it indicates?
6:43
